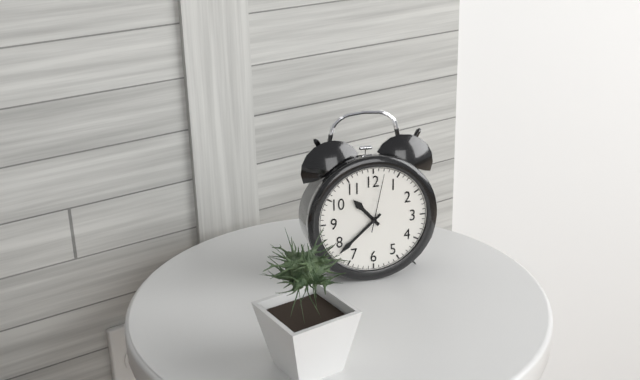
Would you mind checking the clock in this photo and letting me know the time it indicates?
10:38:02
